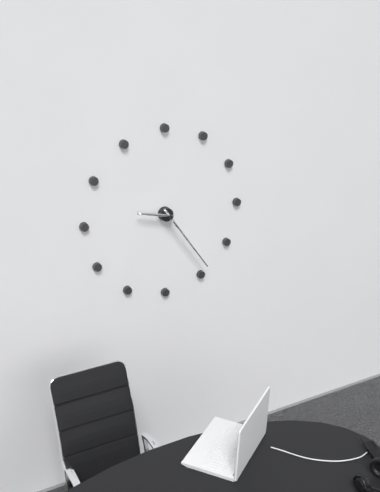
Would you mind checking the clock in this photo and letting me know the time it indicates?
9:24
